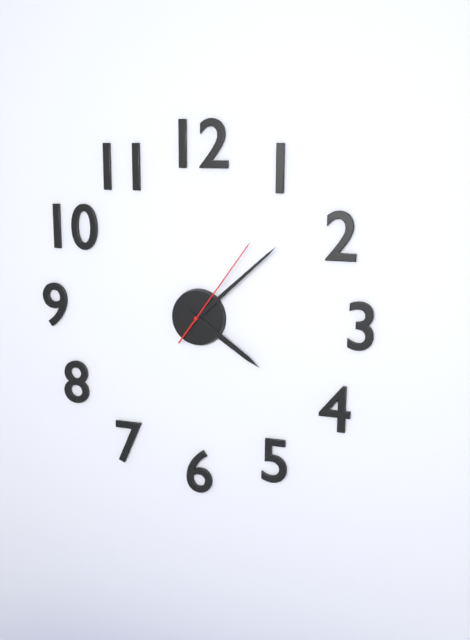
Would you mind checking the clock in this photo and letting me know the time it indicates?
4:08:06
